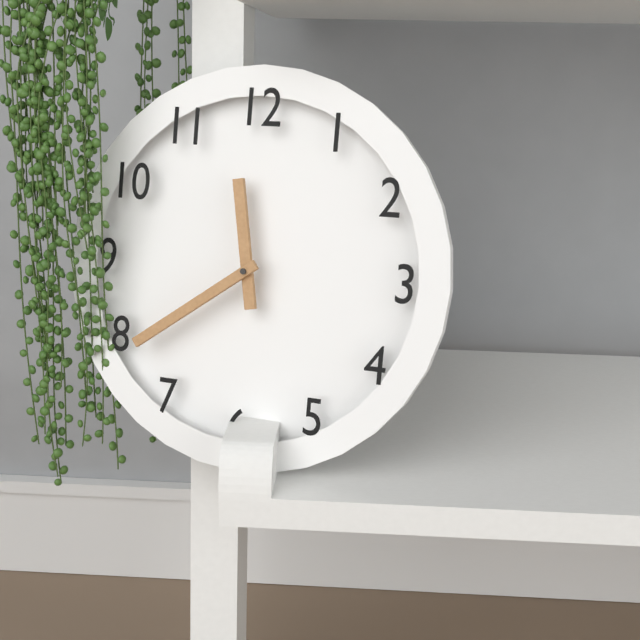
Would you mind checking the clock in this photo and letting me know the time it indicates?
11:39
